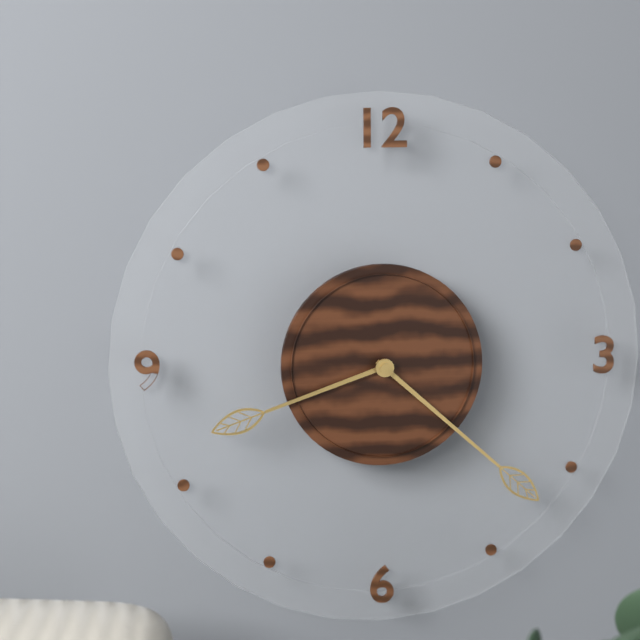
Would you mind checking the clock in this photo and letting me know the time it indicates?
8:22
